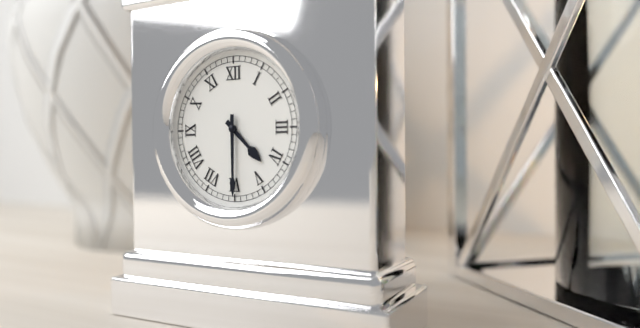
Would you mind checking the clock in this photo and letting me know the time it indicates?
4:30
